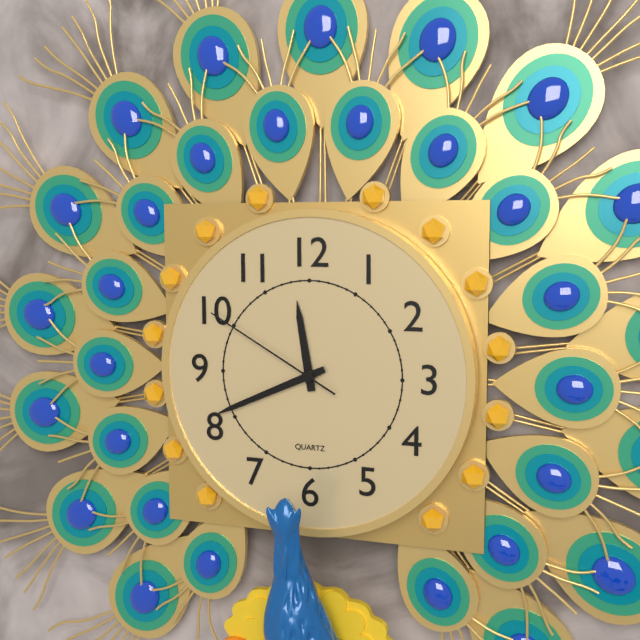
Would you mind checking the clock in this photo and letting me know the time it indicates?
11:41:50
